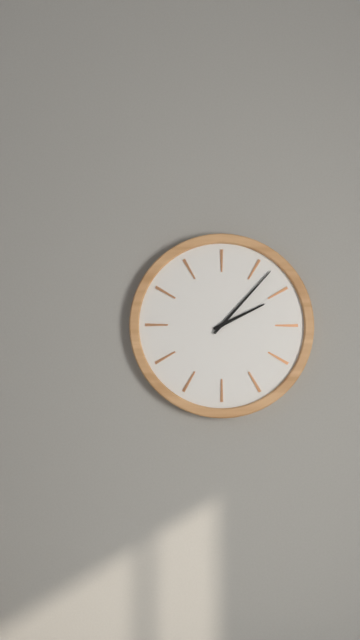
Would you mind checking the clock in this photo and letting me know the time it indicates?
2:07
